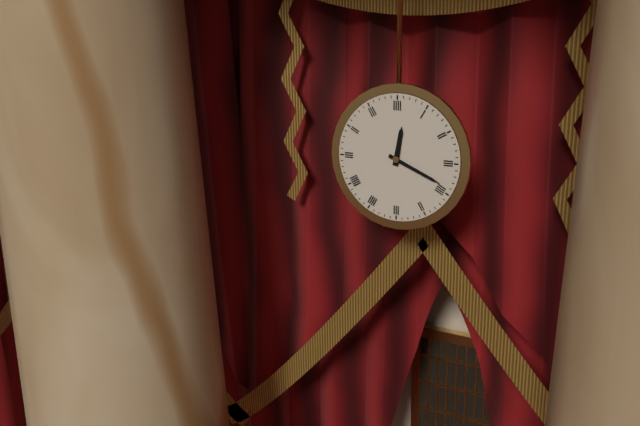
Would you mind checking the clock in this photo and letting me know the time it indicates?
12:19
